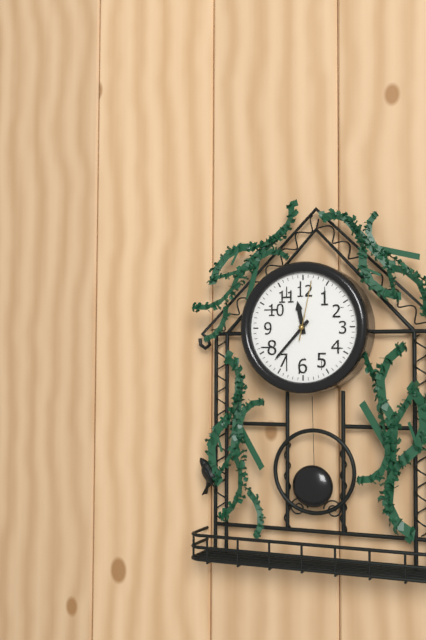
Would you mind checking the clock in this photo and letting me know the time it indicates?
11:37:02
